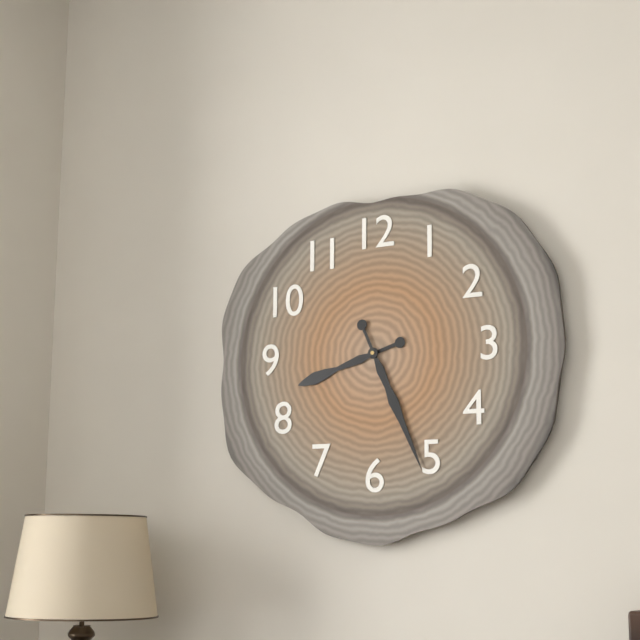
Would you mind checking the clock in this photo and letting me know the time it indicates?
8:26
